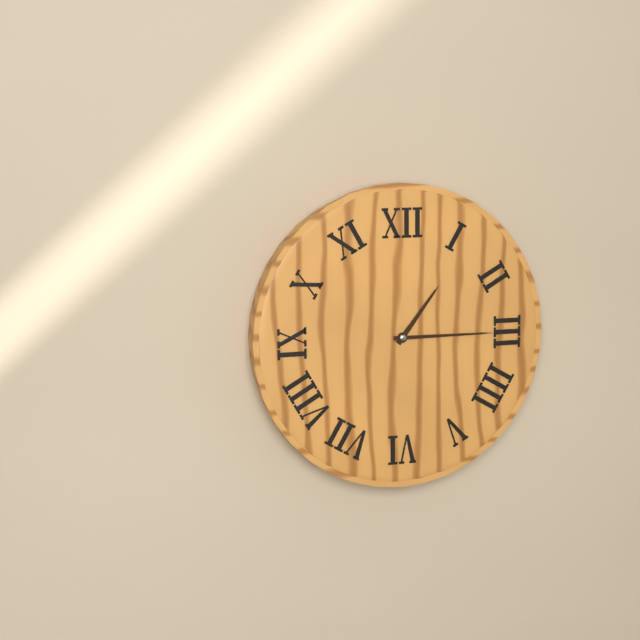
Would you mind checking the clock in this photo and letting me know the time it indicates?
1:15
